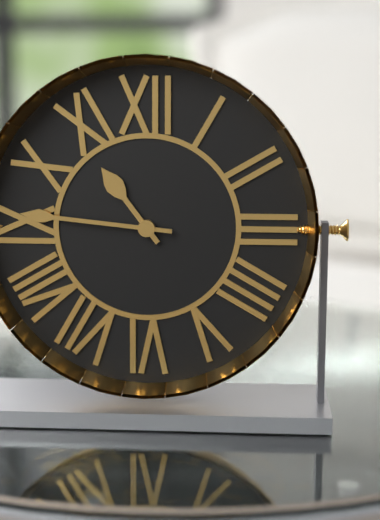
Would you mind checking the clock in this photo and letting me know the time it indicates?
10:46
